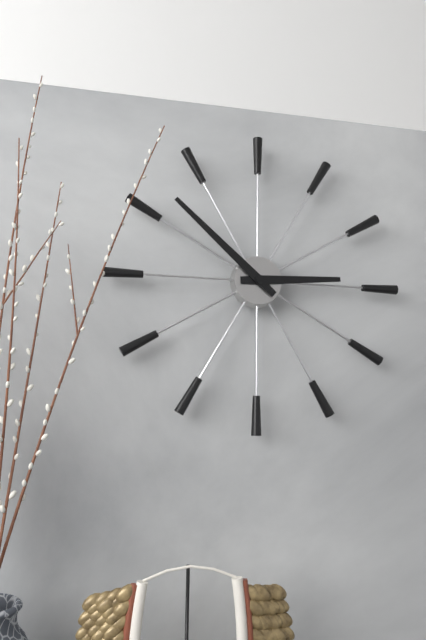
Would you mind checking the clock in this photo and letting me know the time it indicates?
2:52
